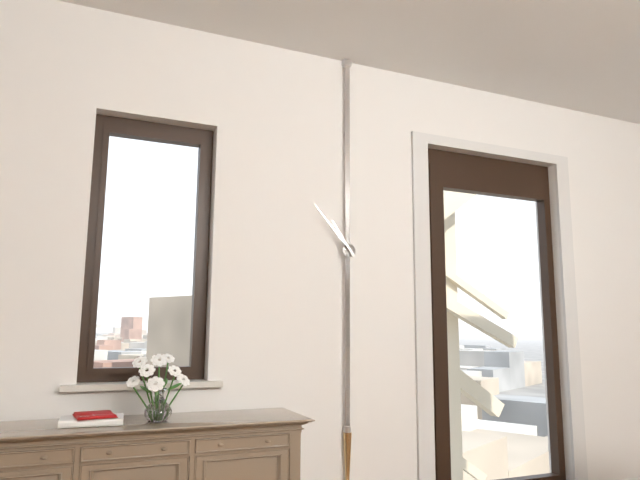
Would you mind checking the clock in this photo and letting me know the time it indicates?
10:53
